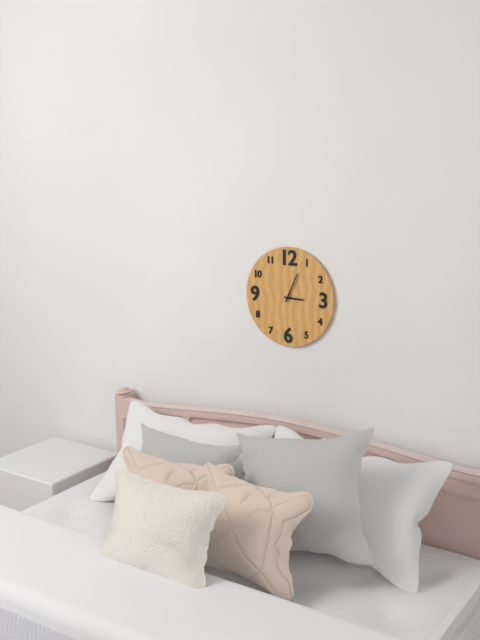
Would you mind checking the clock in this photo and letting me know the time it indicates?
3:04
